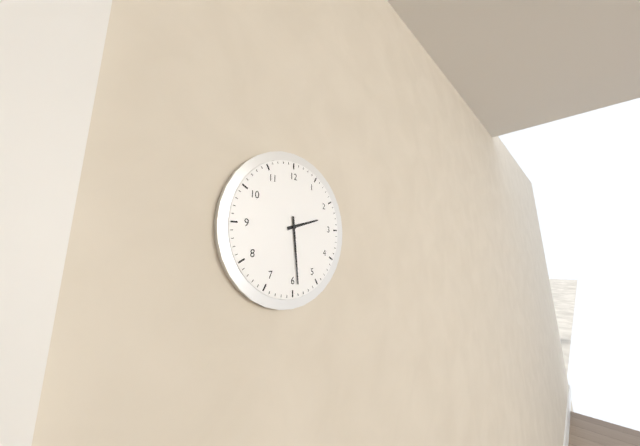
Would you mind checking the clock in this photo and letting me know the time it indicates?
2:29
